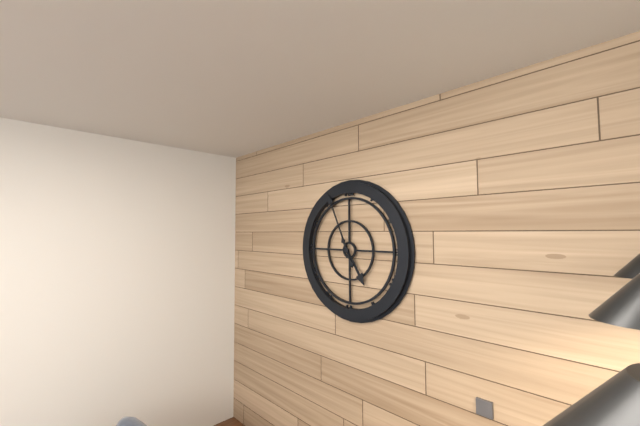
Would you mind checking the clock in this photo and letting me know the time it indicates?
4:56
